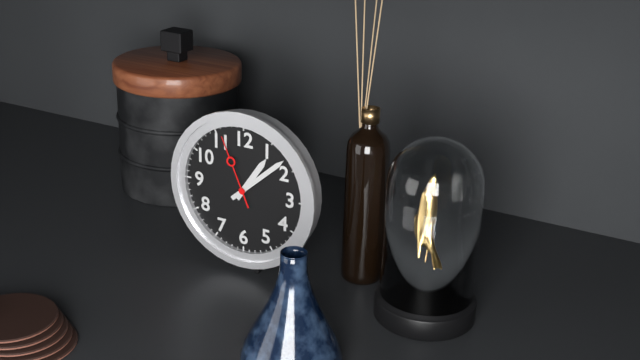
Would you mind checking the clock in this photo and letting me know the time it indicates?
1:08:56
